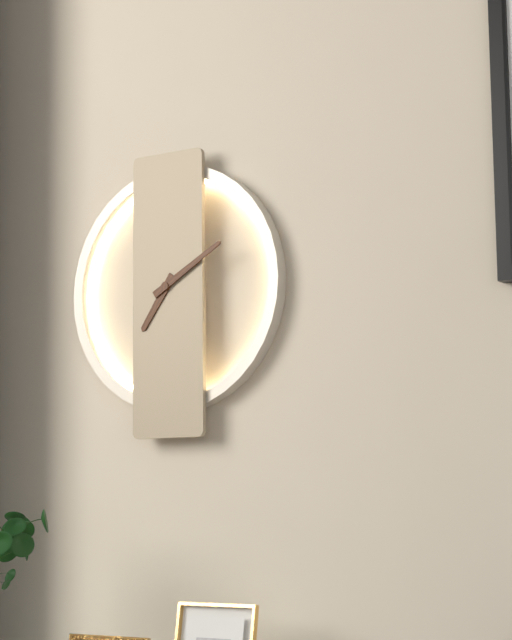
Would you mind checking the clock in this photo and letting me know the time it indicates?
7:10
